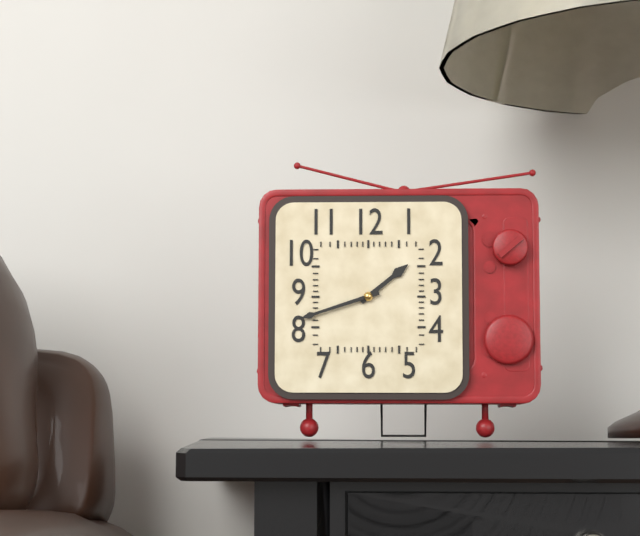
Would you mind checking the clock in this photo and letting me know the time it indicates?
1:42
